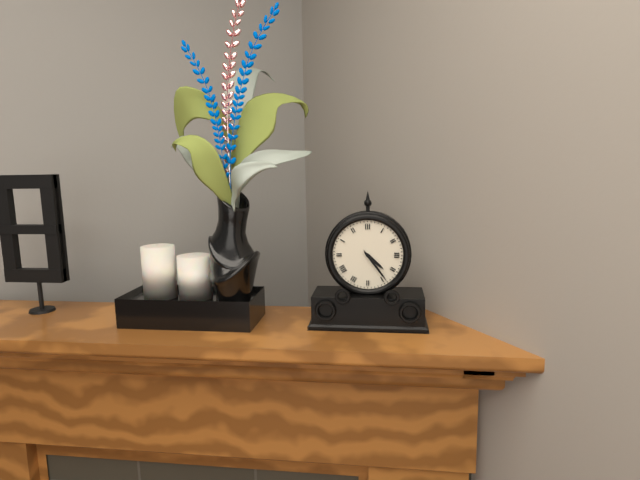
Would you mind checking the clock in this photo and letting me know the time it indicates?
4:24
